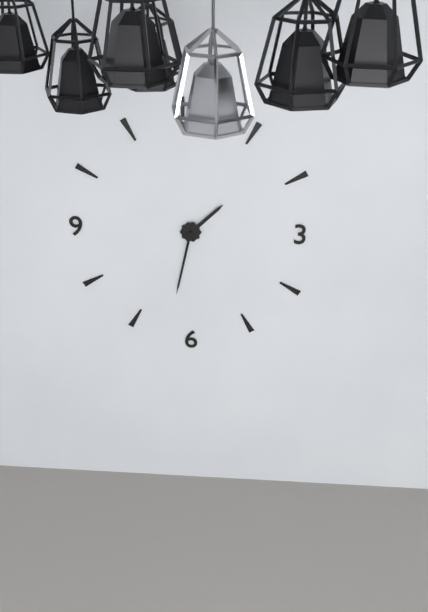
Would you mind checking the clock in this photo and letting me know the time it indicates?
1:32
